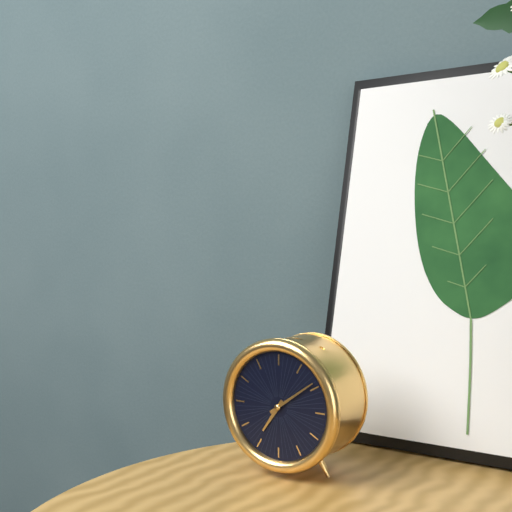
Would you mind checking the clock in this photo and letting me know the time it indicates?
7:09
